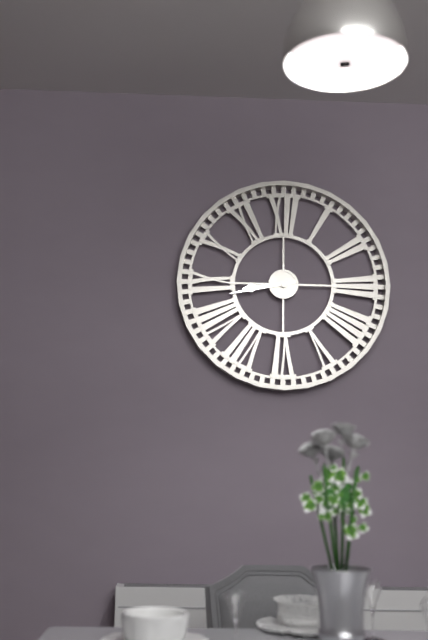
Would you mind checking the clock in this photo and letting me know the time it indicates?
8:43
